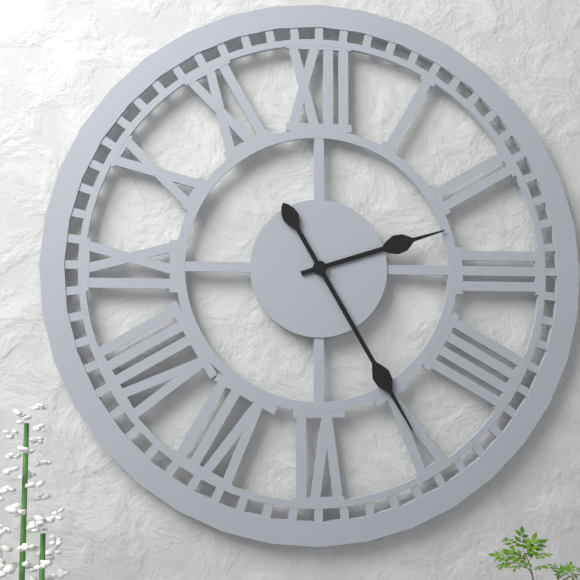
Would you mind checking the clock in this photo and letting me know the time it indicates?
2:25
